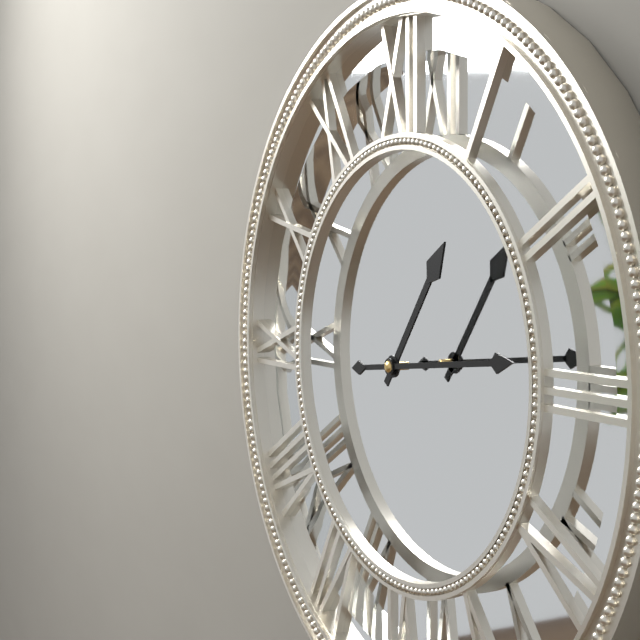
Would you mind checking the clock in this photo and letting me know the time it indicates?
1:14
